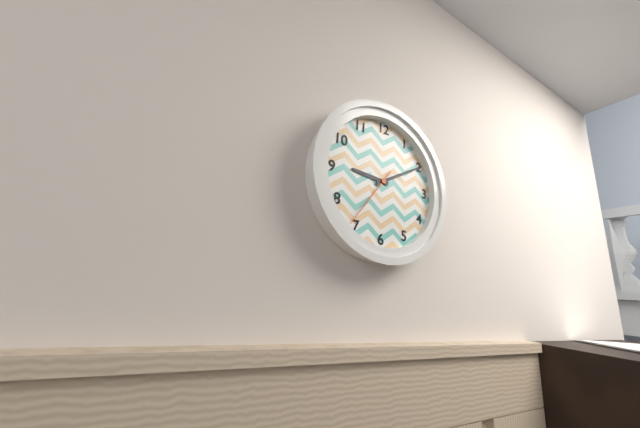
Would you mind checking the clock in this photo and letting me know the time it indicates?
9:10:36
